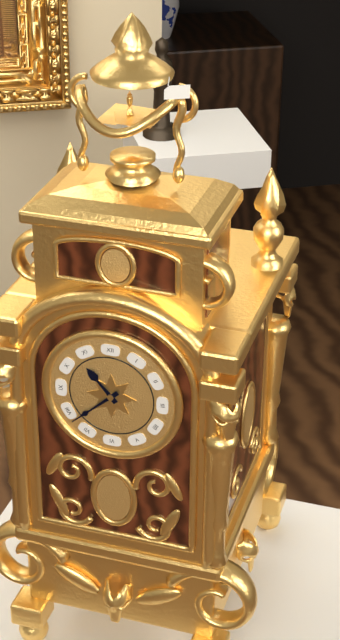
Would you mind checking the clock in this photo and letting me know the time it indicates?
10:38
